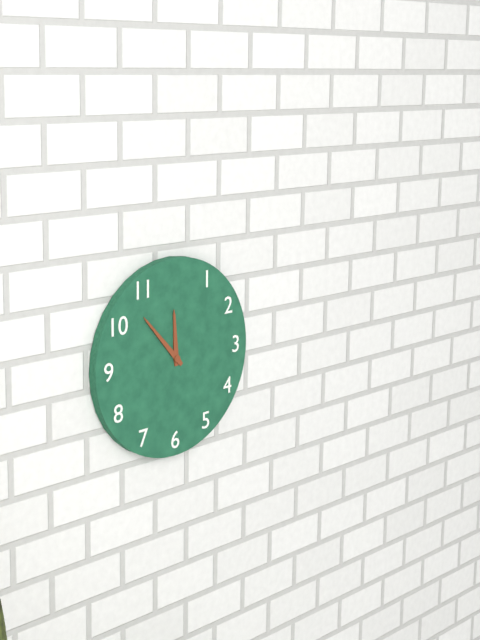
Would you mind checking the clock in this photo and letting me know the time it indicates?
11:53
